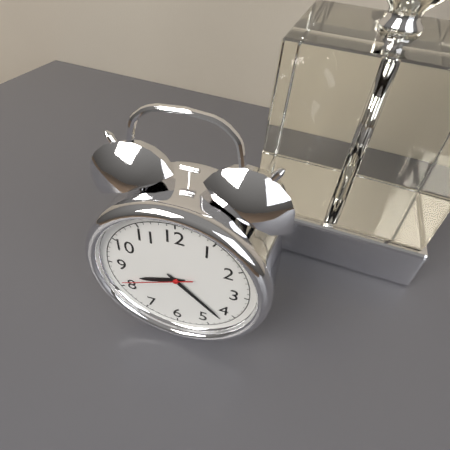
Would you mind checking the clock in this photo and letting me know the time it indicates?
8:22:41
